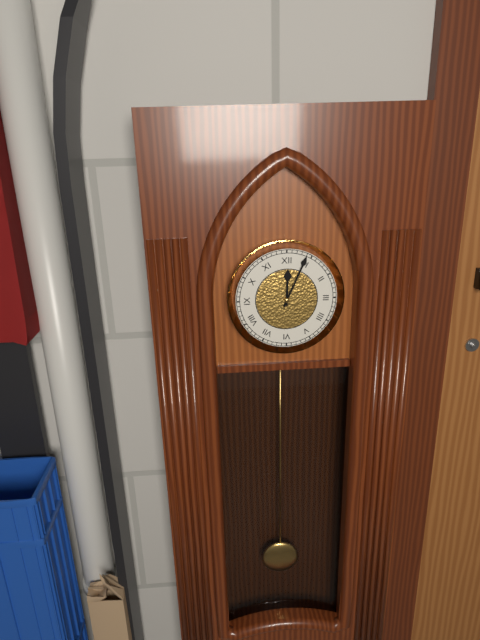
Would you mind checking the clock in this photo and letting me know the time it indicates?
12:04
